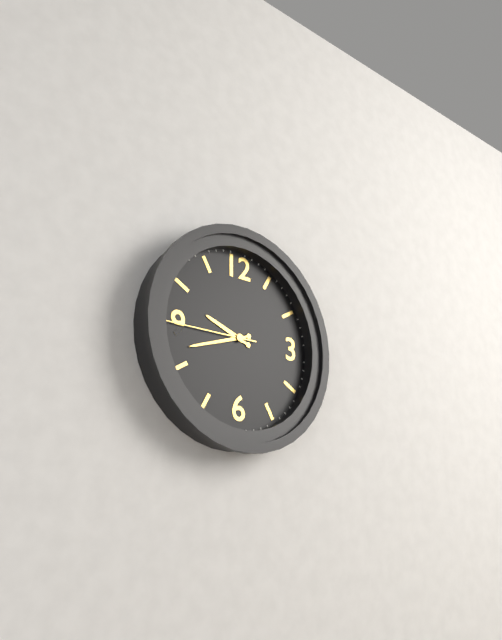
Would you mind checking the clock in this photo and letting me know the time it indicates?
9:42:45
